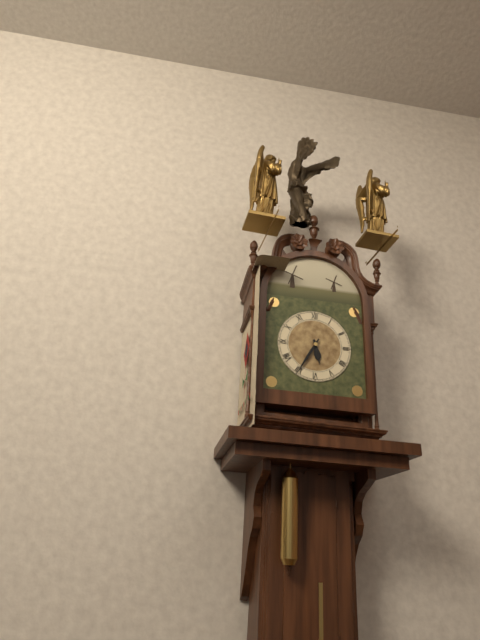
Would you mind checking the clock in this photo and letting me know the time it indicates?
5:35
